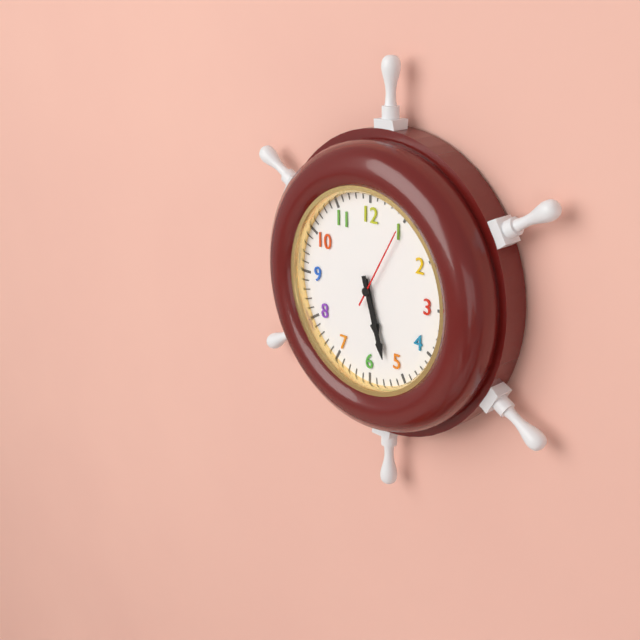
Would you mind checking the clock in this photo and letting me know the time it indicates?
5:27:05
